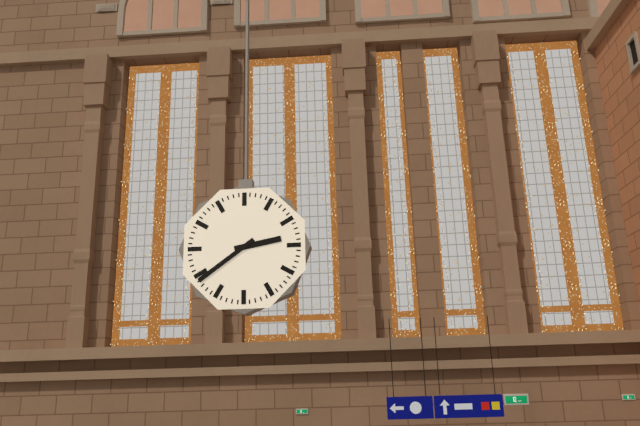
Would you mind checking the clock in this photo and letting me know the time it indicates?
2:39
